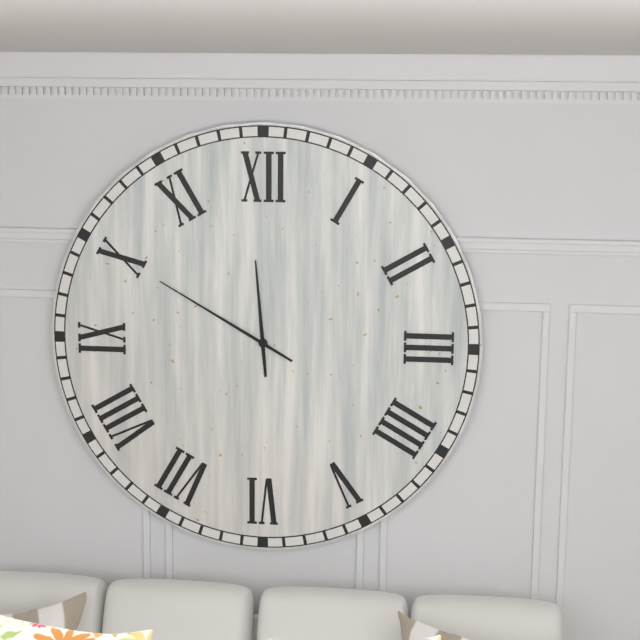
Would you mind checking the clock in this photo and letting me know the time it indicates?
11:50
